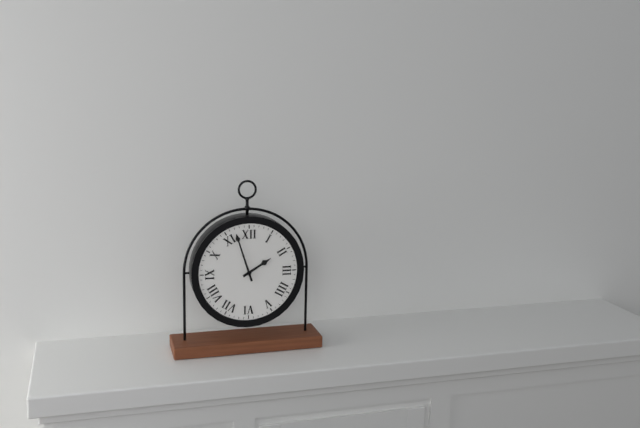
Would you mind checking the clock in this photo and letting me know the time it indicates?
1:57
